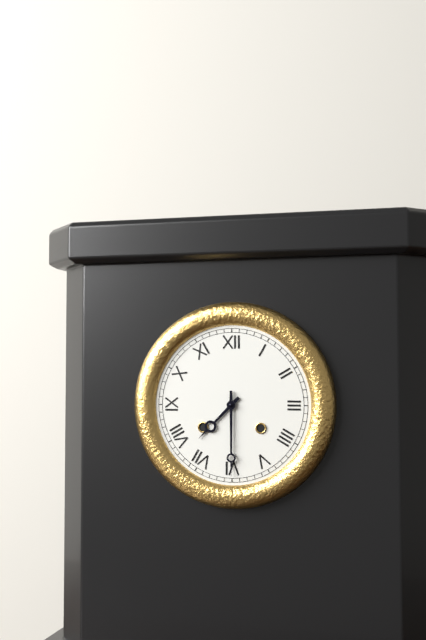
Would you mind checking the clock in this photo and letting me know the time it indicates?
7:30
